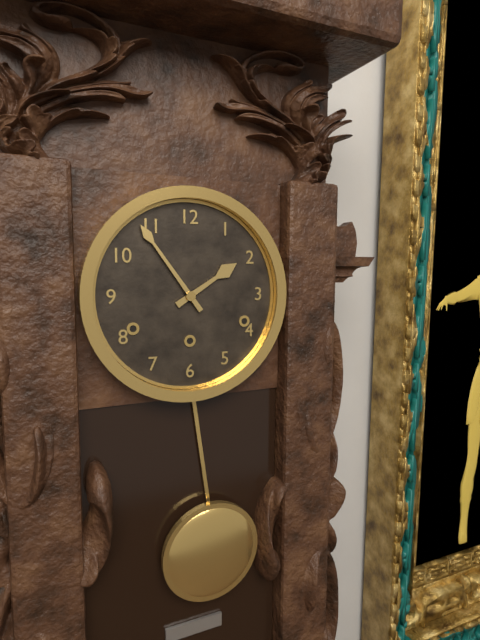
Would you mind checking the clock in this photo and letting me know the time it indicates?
1:54
